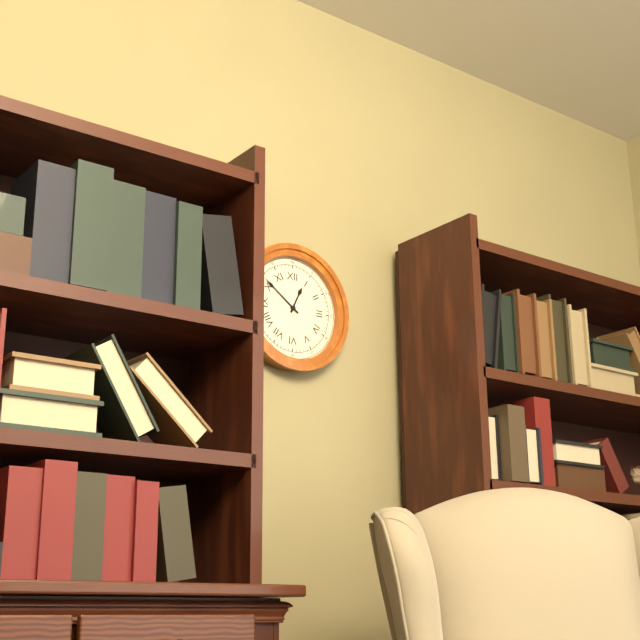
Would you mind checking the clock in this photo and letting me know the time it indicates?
12:51
